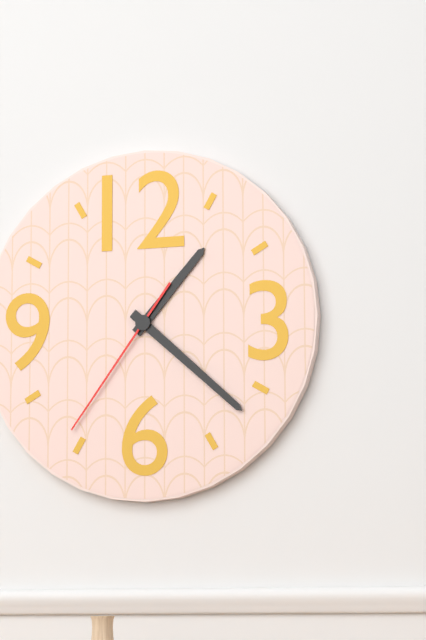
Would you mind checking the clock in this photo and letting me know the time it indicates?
1:22:36
